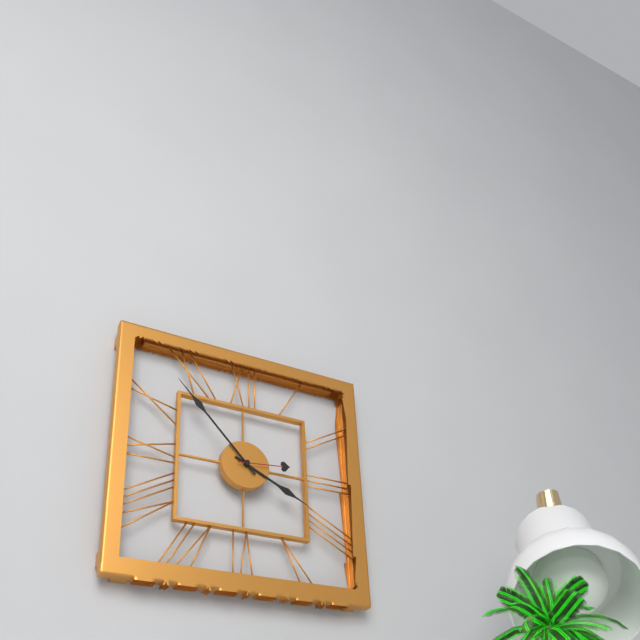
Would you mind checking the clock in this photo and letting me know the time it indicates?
3:53:14
